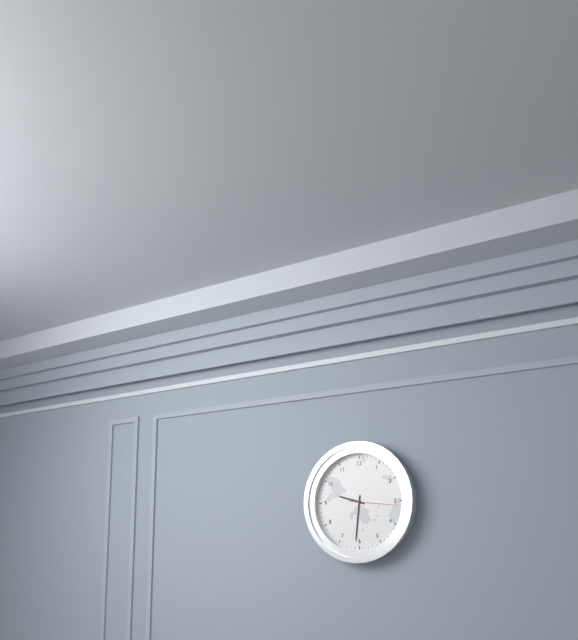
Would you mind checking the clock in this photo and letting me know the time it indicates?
9:31
